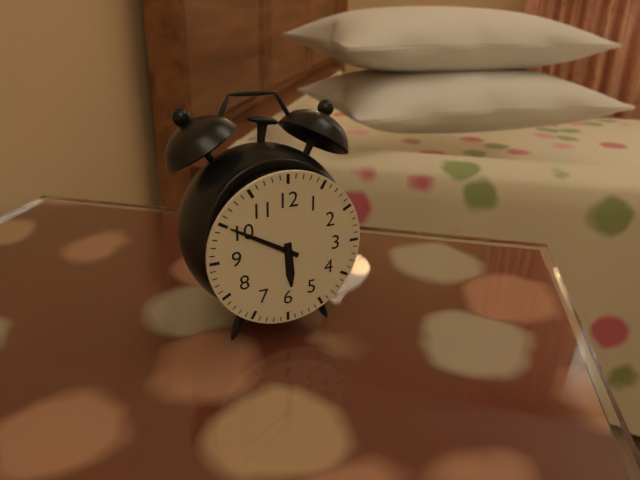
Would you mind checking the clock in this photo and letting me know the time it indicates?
5:50
